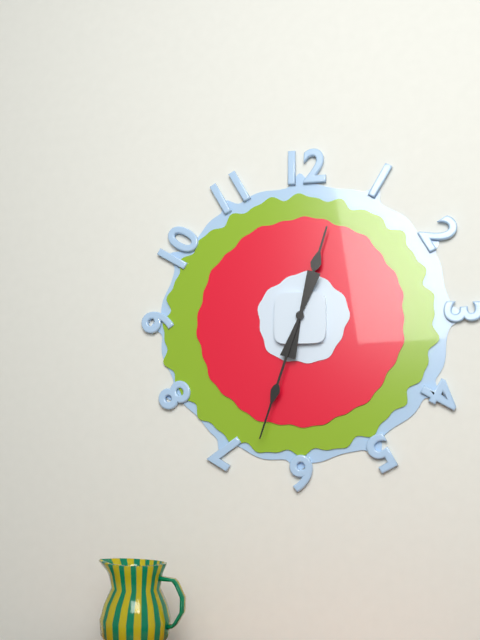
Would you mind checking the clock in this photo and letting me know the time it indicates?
12:33
